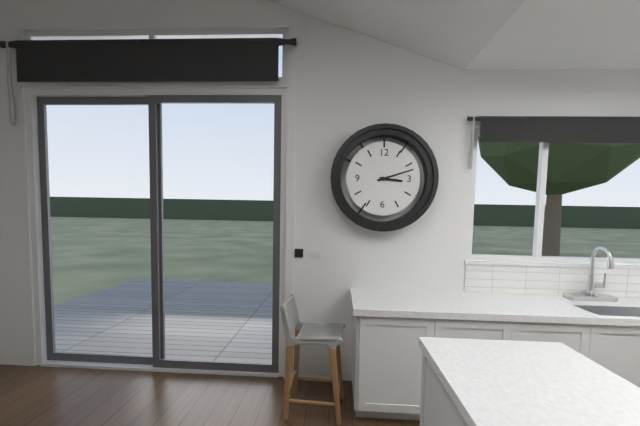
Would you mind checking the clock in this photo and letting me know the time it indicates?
3:12
